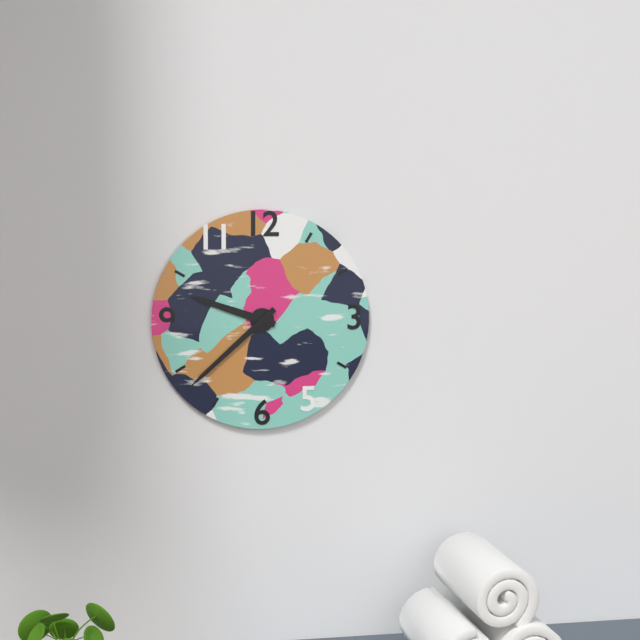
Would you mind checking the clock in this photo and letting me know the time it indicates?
9:38
